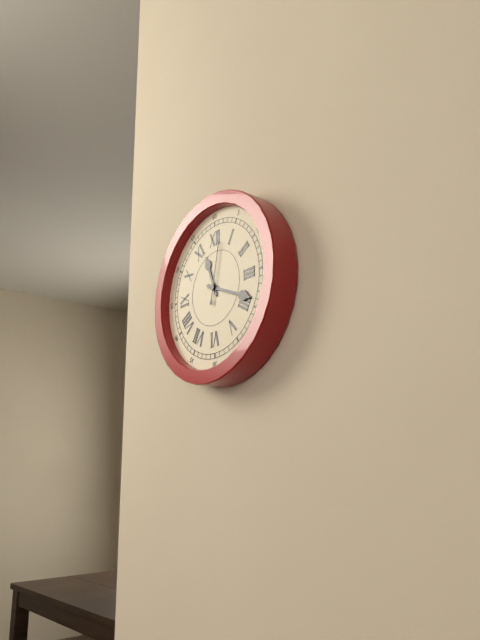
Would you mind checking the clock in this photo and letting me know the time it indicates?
11:19:02
